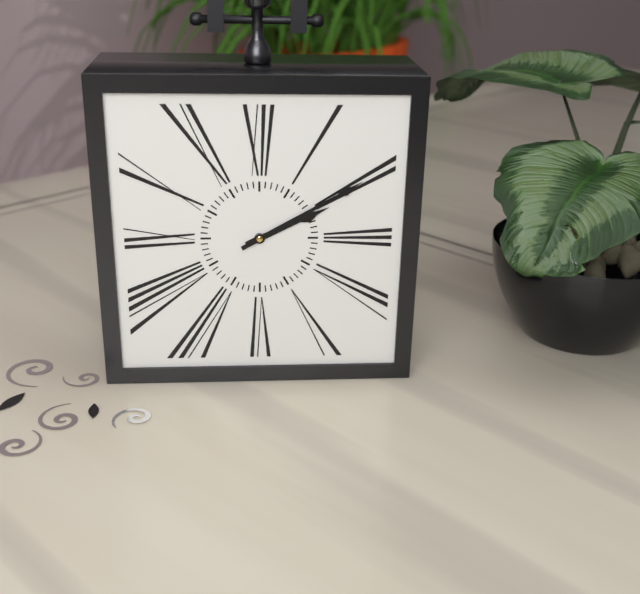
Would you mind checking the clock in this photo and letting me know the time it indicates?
2:10
